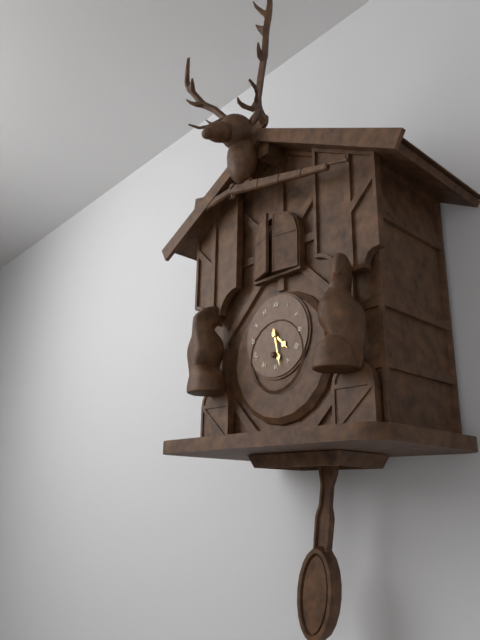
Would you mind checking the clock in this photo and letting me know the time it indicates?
4:28
